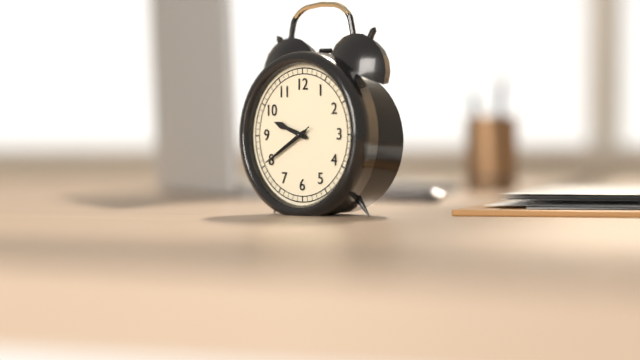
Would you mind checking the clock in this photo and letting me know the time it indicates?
9:40:40
